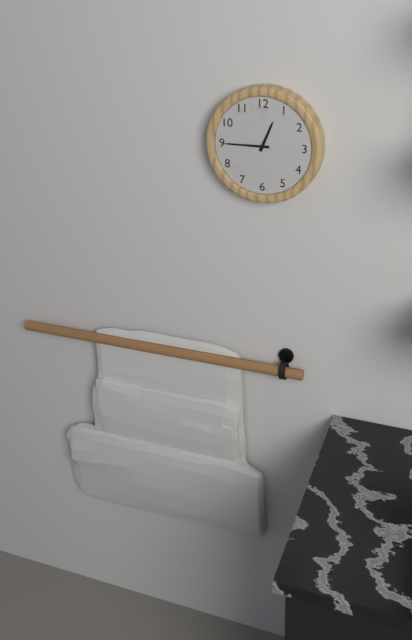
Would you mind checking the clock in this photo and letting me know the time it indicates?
12:45
